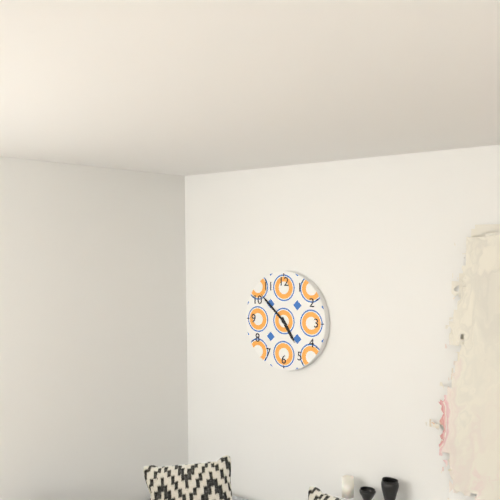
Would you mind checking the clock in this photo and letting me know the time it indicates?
4:52
